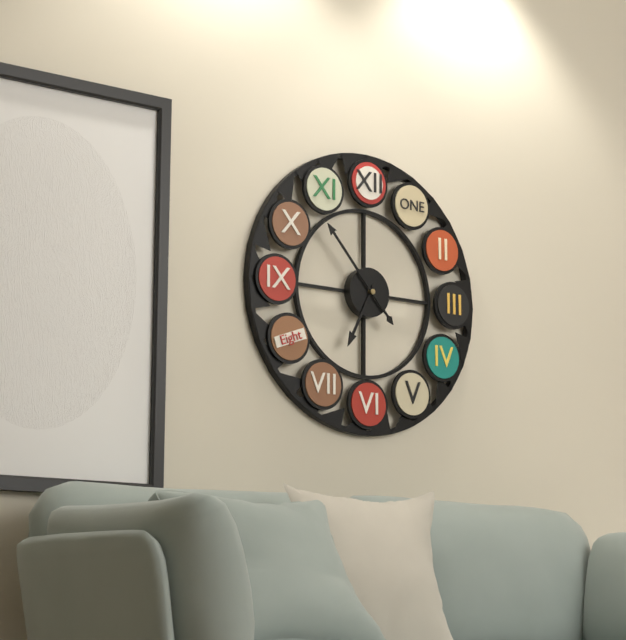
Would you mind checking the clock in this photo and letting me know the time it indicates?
6:53
